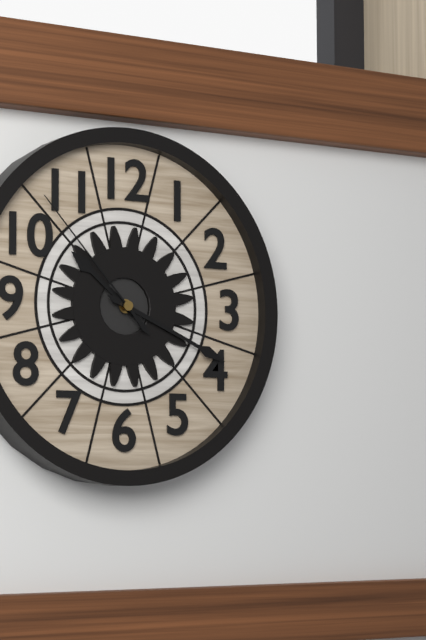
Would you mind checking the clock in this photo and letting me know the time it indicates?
10:19:53
